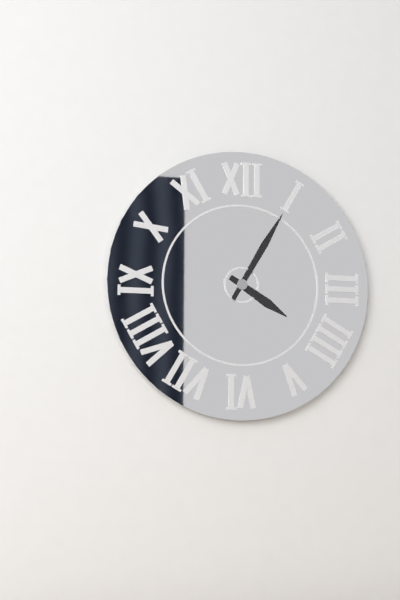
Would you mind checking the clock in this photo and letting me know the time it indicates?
4:05
